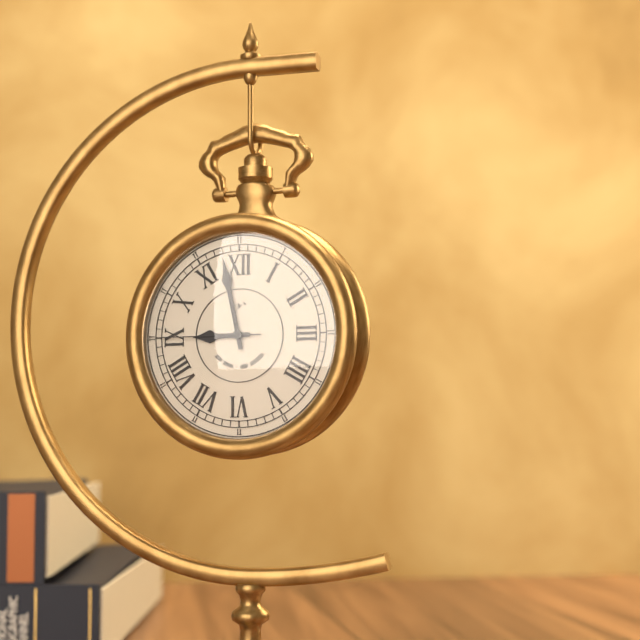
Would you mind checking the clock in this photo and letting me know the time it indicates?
8:58:45
